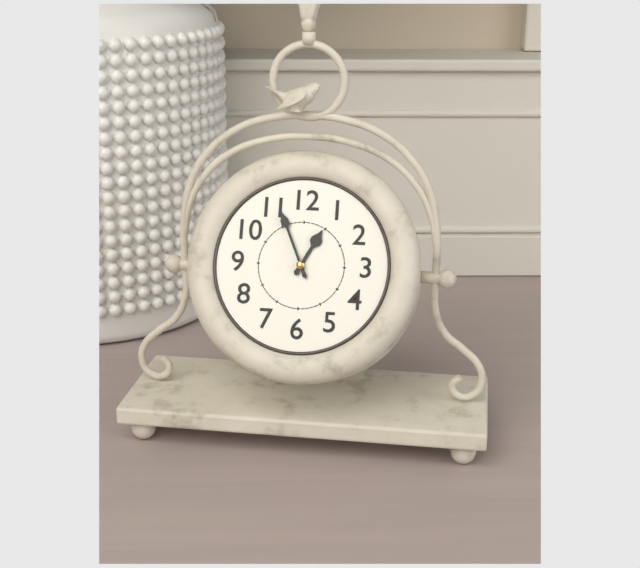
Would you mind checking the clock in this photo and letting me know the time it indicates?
12:56
